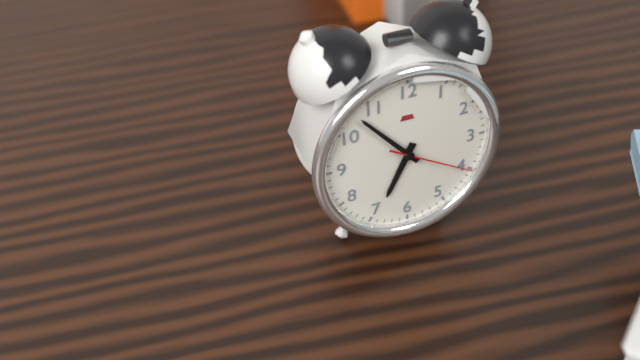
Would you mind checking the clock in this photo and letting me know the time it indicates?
6:53:20
